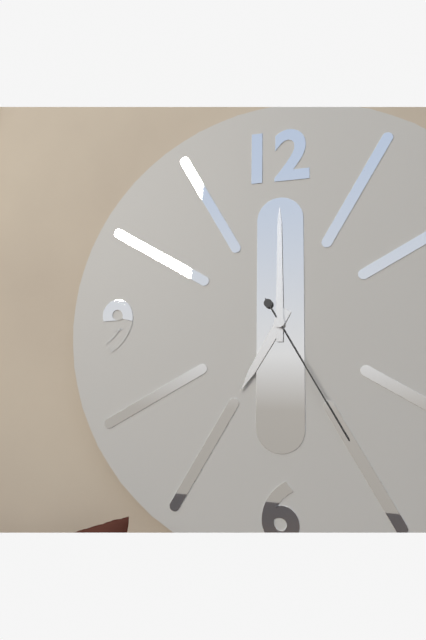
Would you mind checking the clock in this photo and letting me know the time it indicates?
7:00:25
